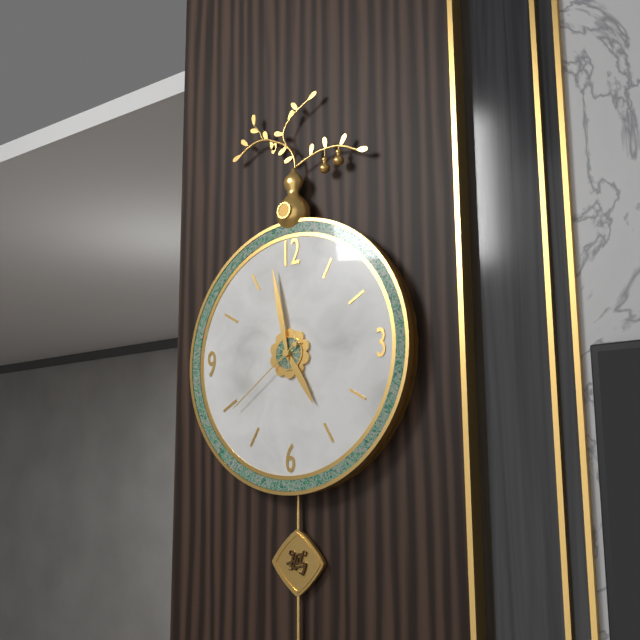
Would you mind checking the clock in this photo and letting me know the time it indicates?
4:58:39
